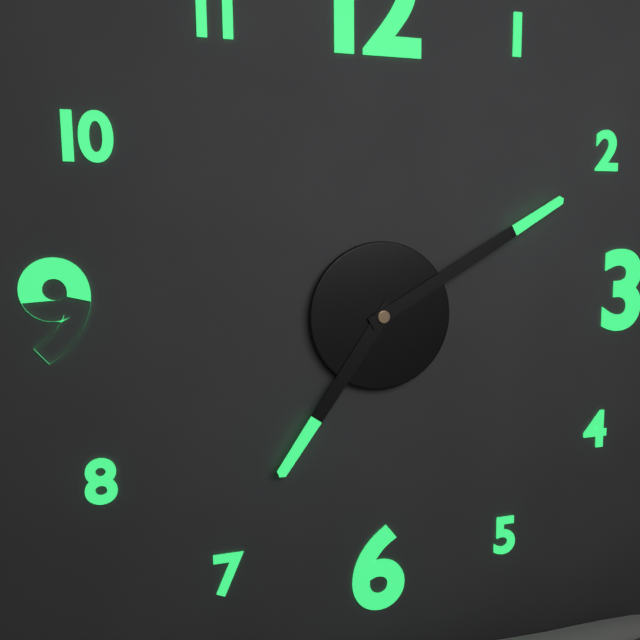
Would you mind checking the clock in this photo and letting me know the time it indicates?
7:10
